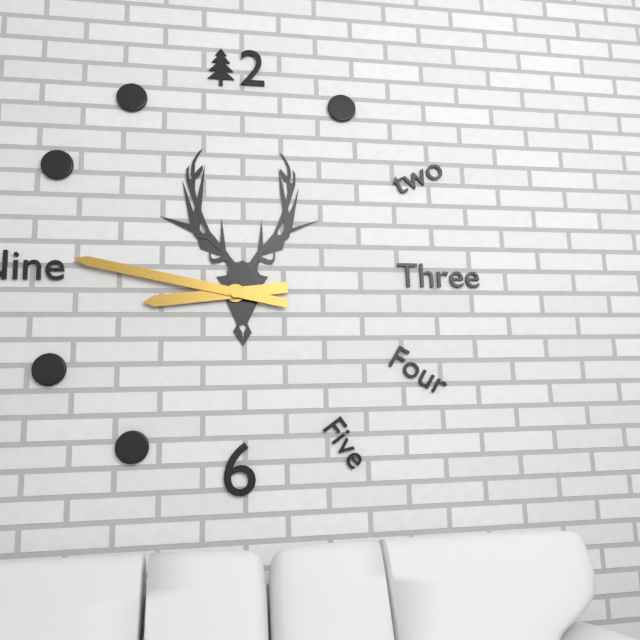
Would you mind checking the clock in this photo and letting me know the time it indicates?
8:47
